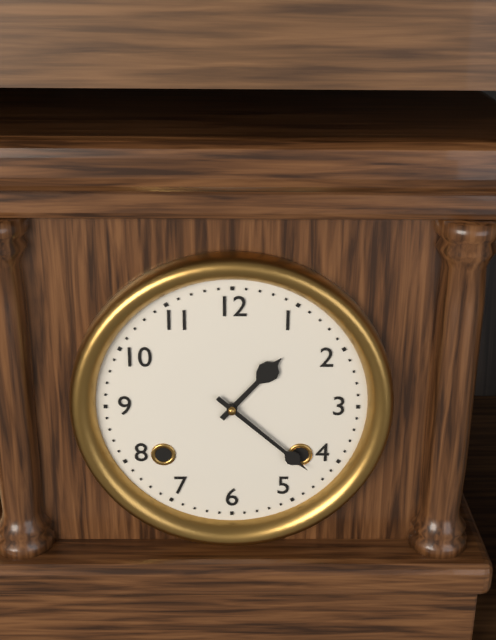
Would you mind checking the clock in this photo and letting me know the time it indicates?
1:22
